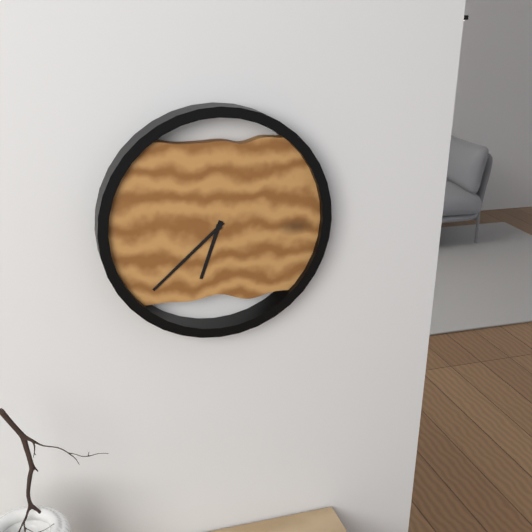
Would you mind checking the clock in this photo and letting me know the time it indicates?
6:38
